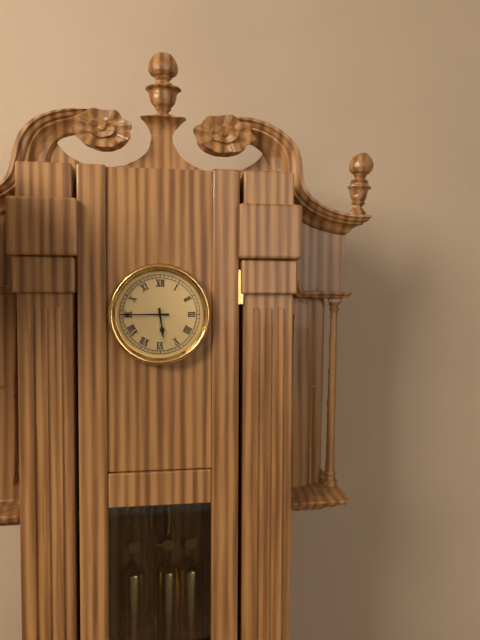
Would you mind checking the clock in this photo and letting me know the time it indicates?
5:45
